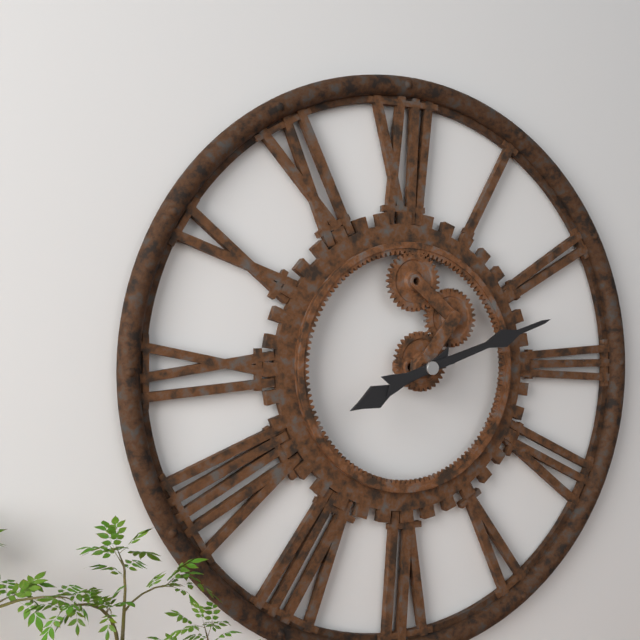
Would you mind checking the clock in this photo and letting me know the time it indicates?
8:12
